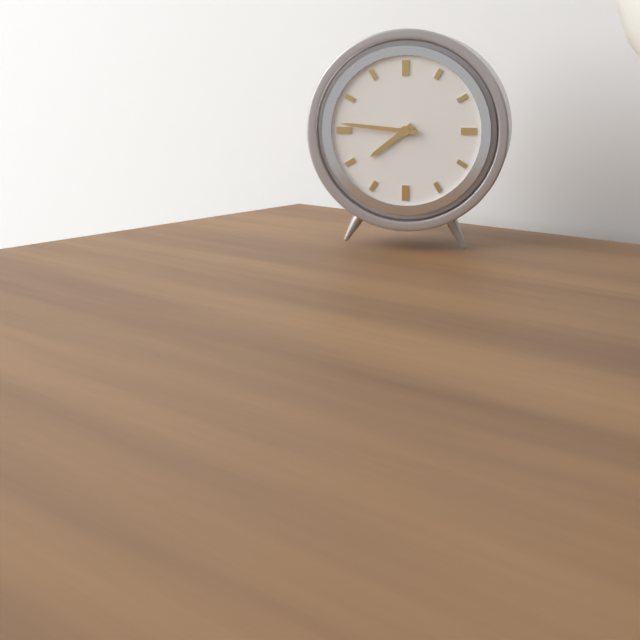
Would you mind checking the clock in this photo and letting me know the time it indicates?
7:46
